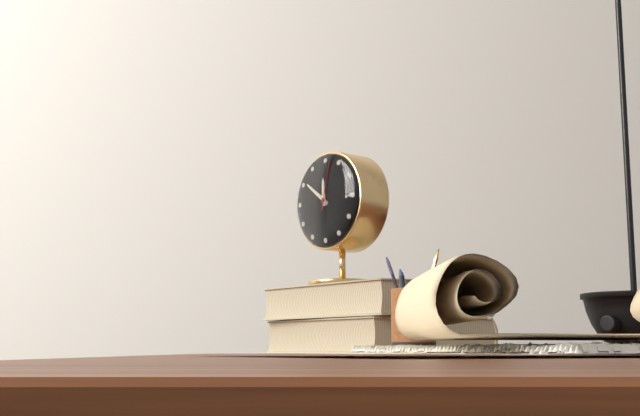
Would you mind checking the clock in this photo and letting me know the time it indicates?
11:51
